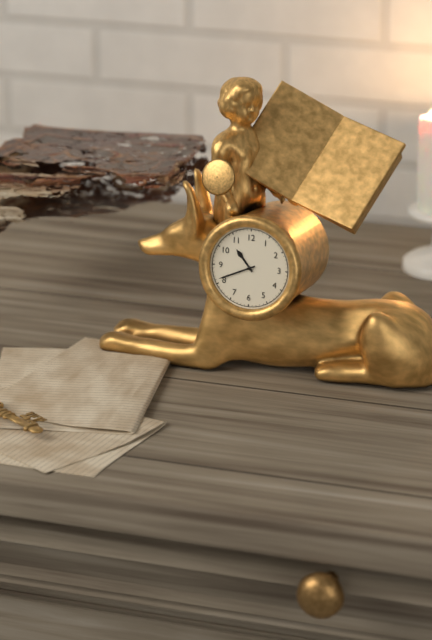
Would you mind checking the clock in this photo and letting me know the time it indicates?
10:41
